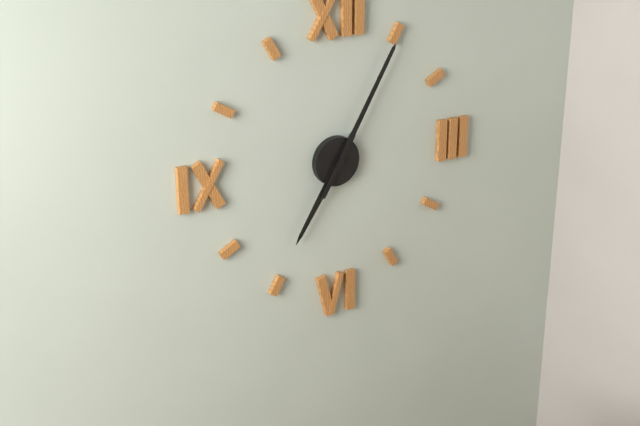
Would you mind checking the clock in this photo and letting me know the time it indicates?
7:05
